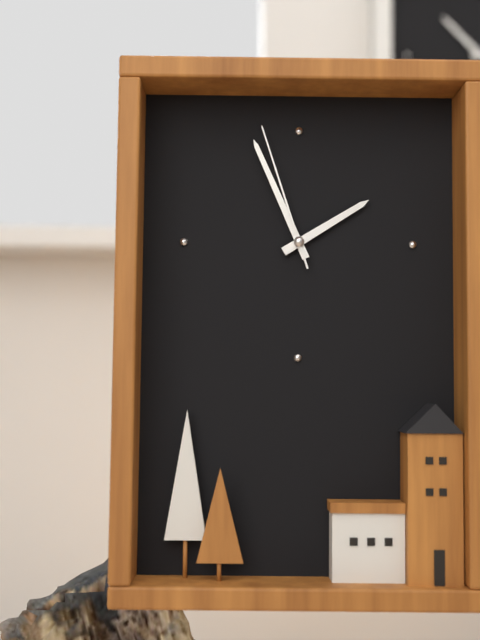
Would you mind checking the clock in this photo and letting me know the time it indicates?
1:56:57
